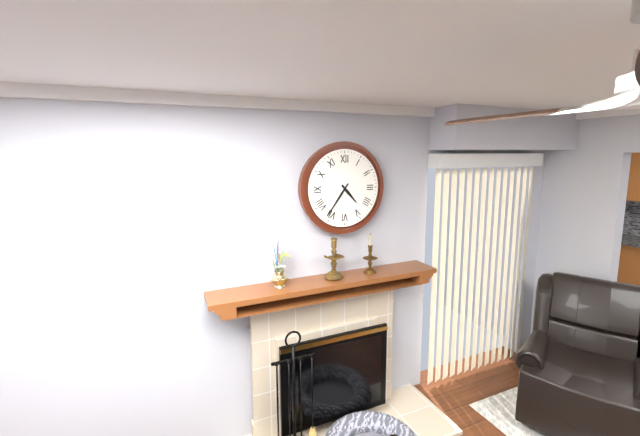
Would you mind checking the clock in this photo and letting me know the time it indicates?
4:36
